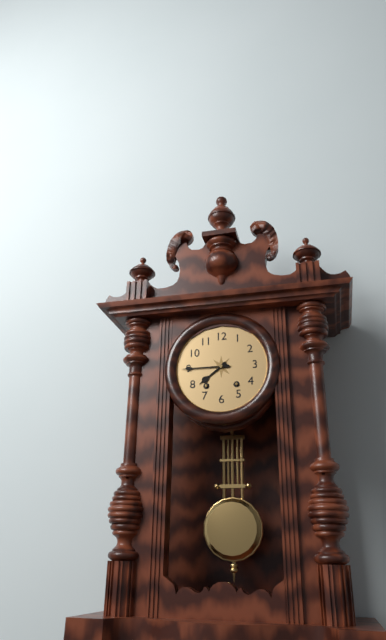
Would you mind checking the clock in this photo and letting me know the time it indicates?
7:45
